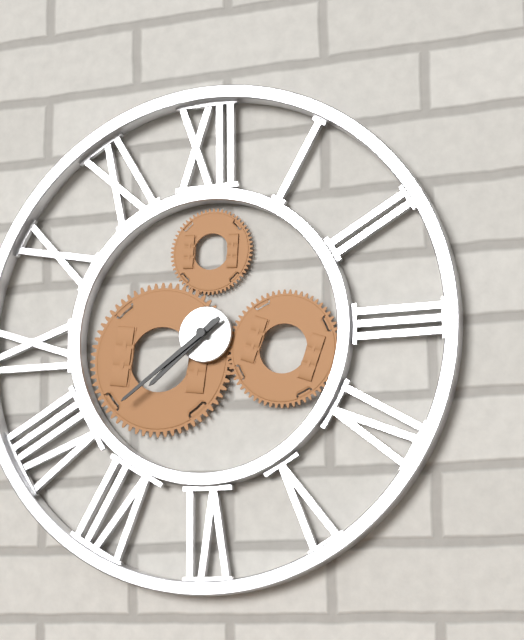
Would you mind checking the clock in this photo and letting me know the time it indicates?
7:39
